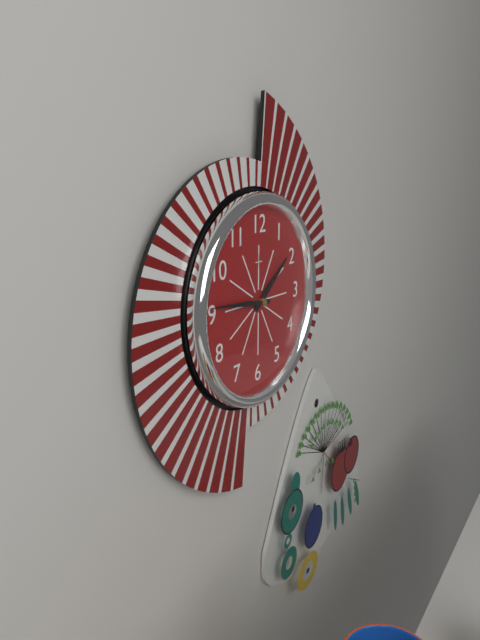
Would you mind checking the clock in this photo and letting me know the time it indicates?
1:46
